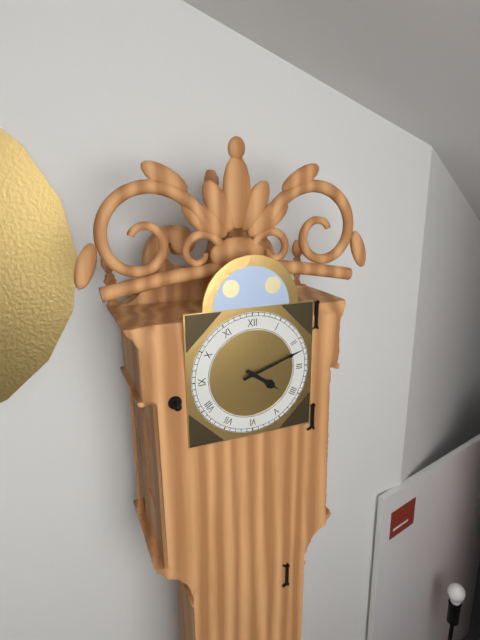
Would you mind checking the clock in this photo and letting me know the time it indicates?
4:12
